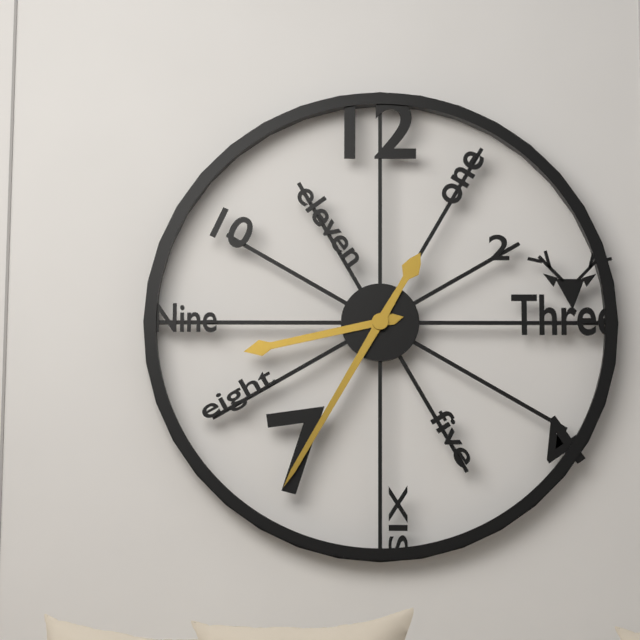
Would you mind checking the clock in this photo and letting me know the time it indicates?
8:35
